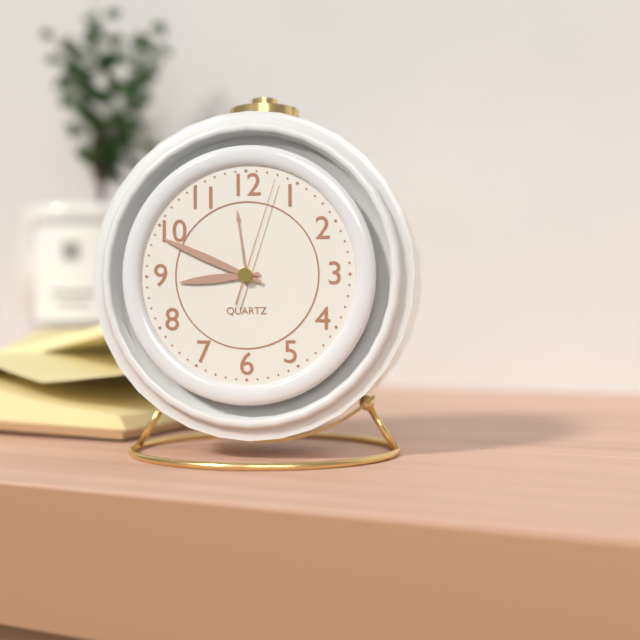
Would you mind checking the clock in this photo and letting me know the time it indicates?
8:49:03
